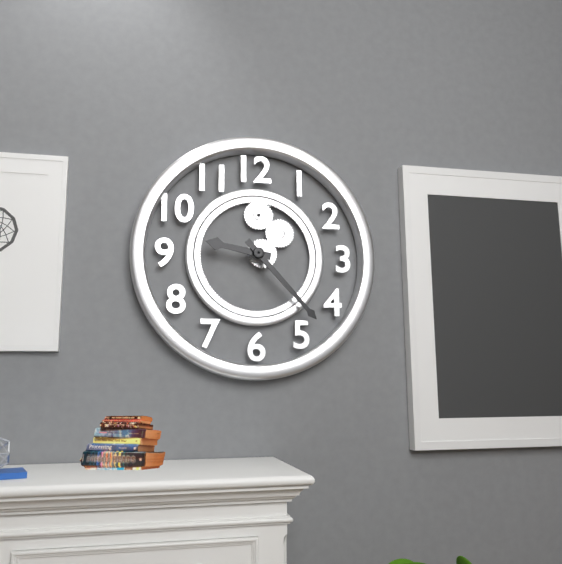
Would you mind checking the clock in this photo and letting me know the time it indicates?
9:23
